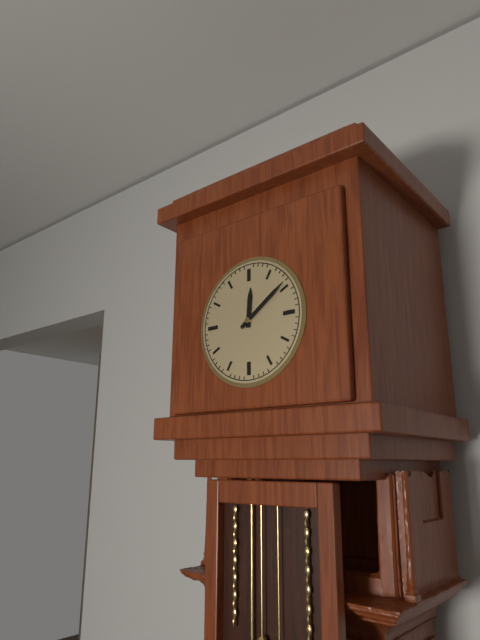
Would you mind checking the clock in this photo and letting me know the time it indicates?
12:09
